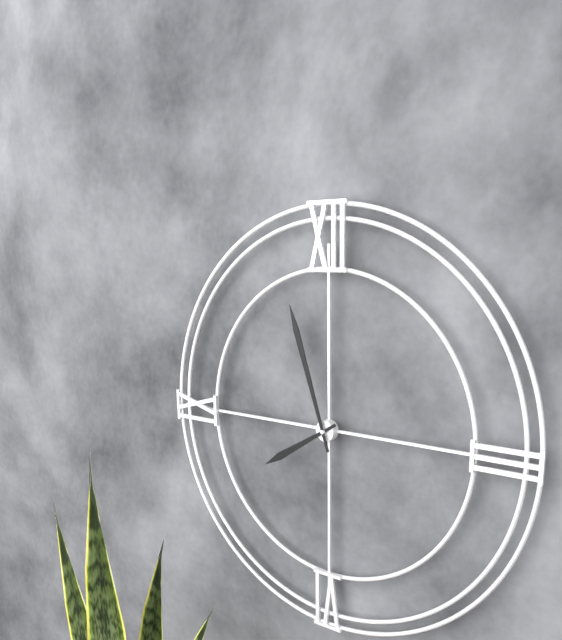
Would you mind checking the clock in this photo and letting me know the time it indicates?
7:57
